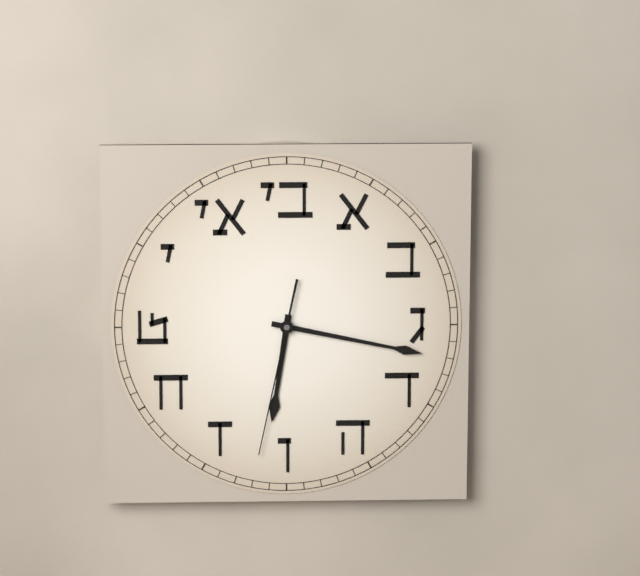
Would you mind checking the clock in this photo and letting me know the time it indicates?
6:17:32
